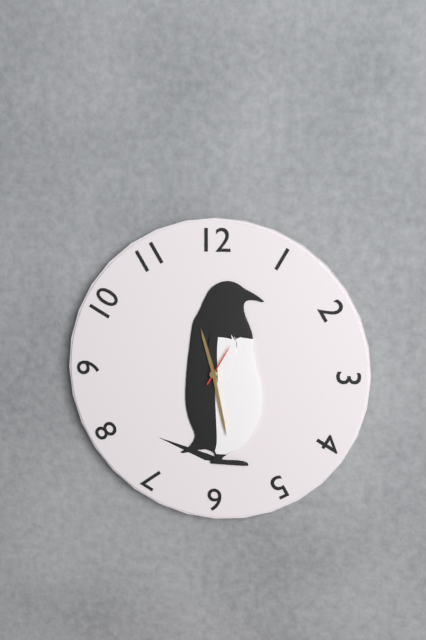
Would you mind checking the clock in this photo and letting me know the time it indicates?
11:28
